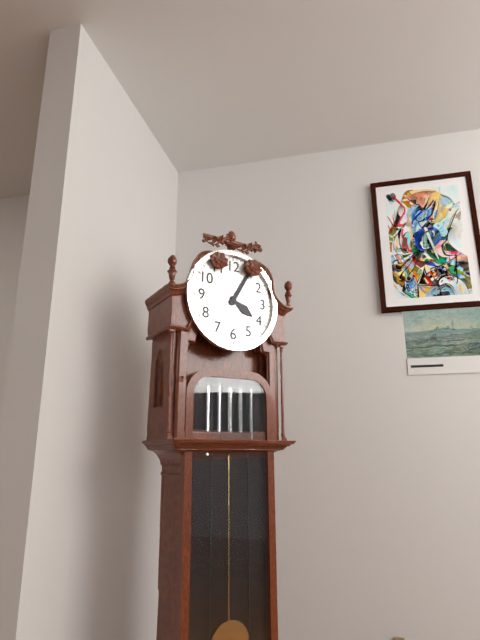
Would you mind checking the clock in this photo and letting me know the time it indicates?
4:05
